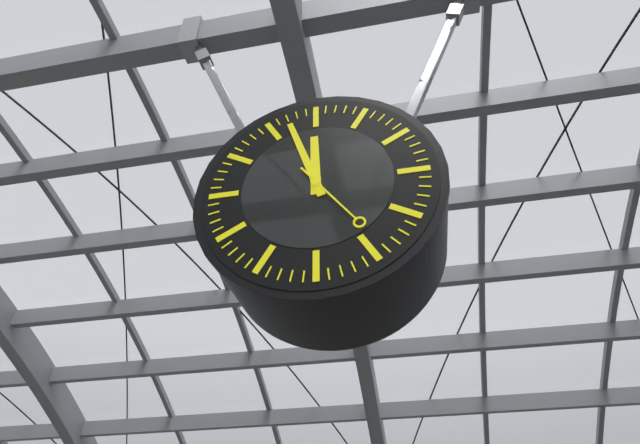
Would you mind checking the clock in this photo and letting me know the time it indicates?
11:57:24
